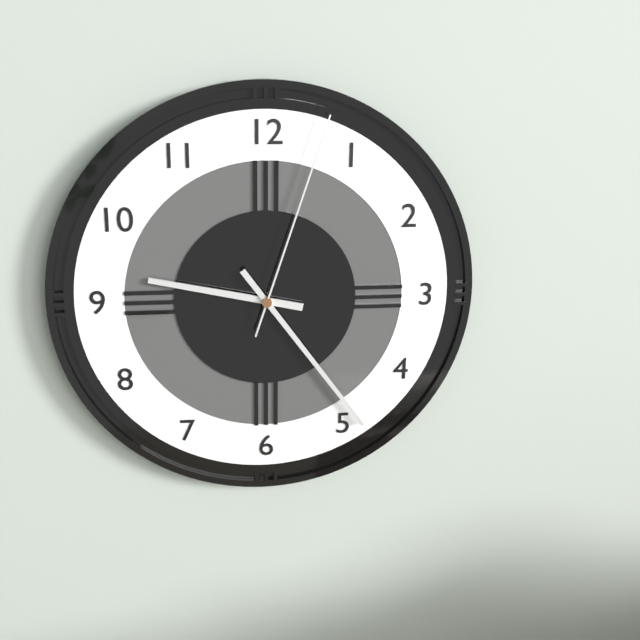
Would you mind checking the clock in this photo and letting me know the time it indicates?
9:24:03
